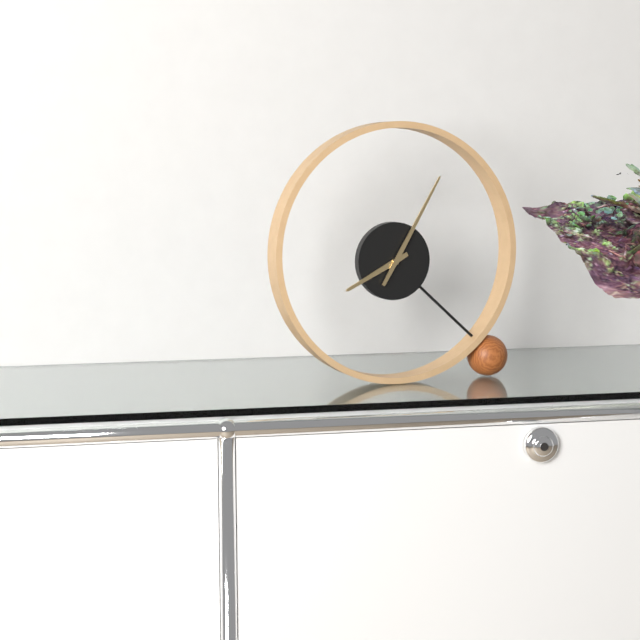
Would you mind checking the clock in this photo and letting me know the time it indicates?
8:05
